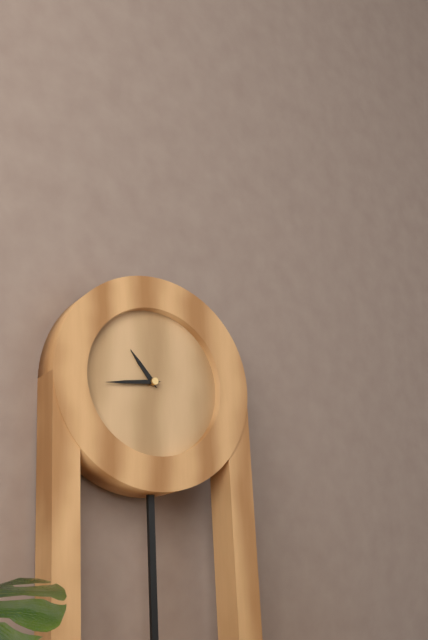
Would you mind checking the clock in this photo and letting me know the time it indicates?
10:44
